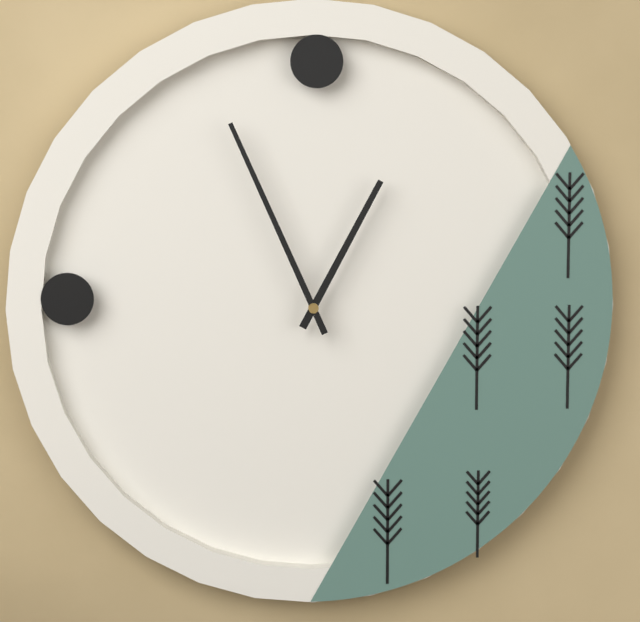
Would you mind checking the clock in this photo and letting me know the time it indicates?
12:56
